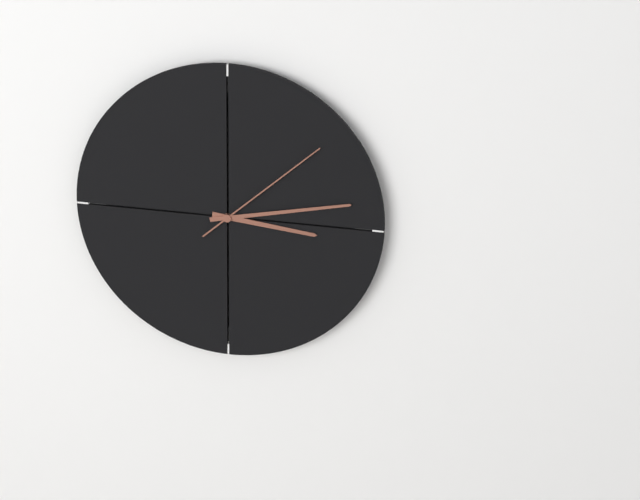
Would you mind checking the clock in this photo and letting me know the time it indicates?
3:13:08
